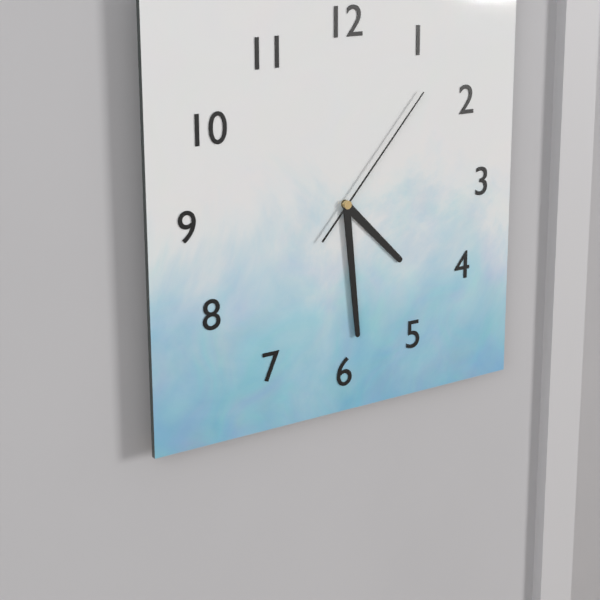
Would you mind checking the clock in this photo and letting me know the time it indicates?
4:29:07
